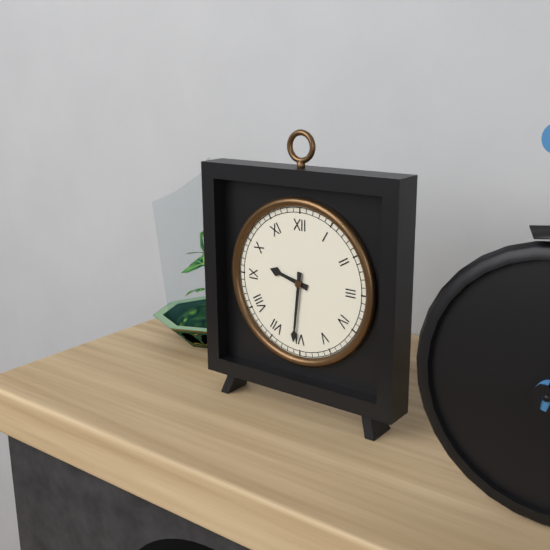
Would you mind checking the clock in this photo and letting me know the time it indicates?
9:31
